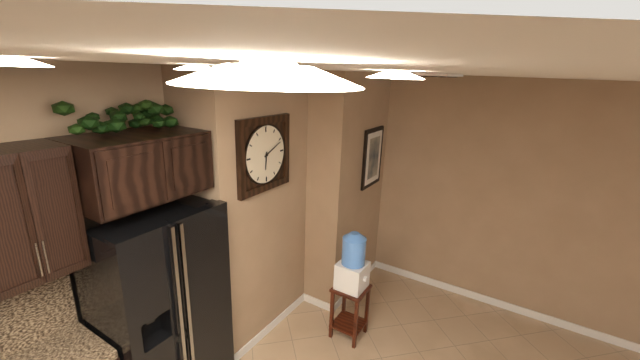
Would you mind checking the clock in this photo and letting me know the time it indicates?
6:11
